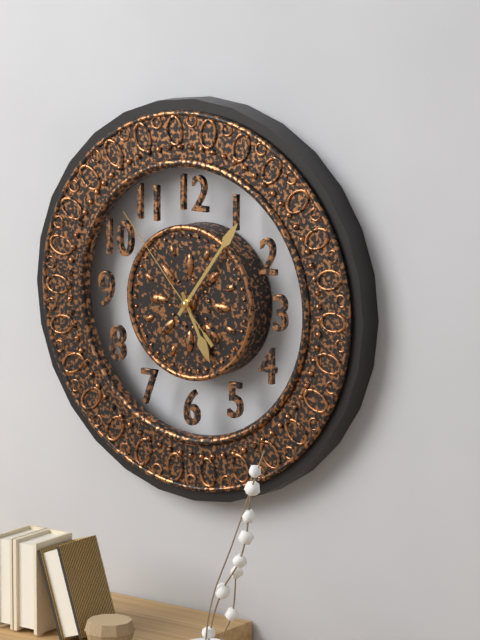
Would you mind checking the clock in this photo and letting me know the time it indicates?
5:06:53
